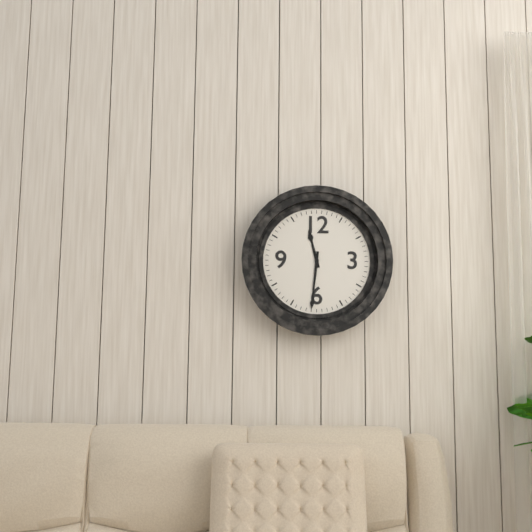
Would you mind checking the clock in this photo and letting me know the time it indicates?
11:31
